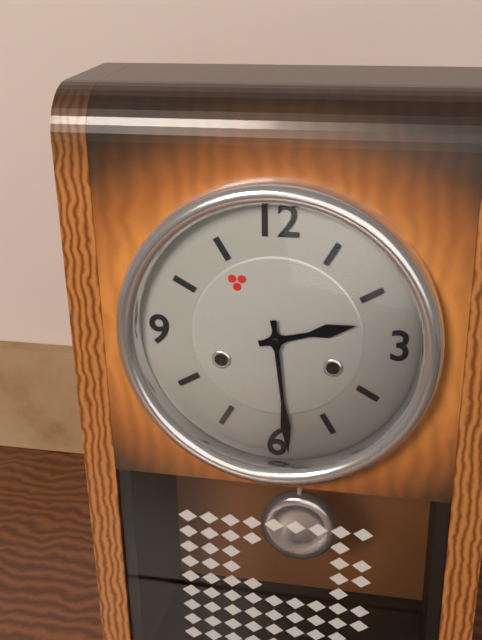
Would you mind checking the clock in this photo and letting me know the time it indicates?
2:29
